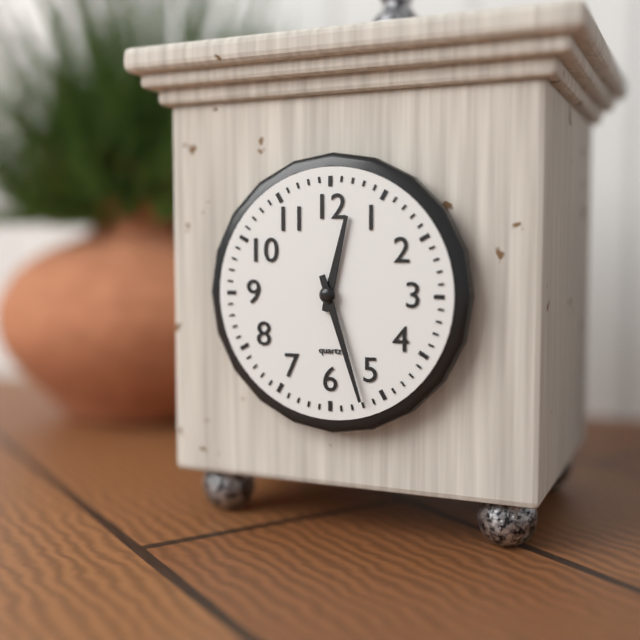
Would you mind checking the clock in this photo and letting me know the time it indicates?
12:27
